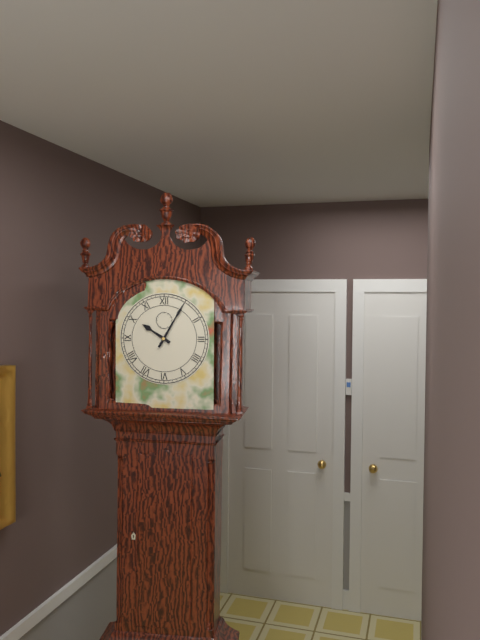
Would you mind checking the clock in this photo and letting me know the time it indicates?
10:05
